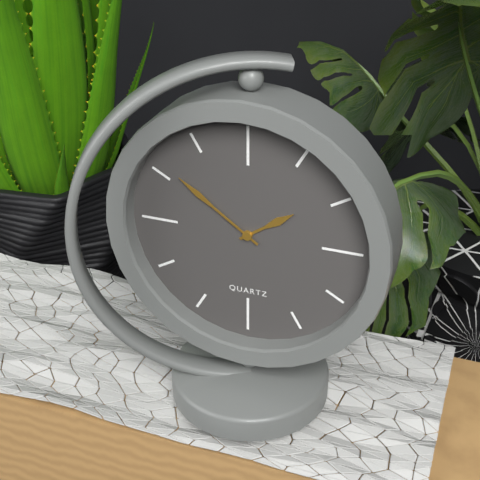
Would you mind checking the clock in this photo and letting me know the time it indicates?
1:51
